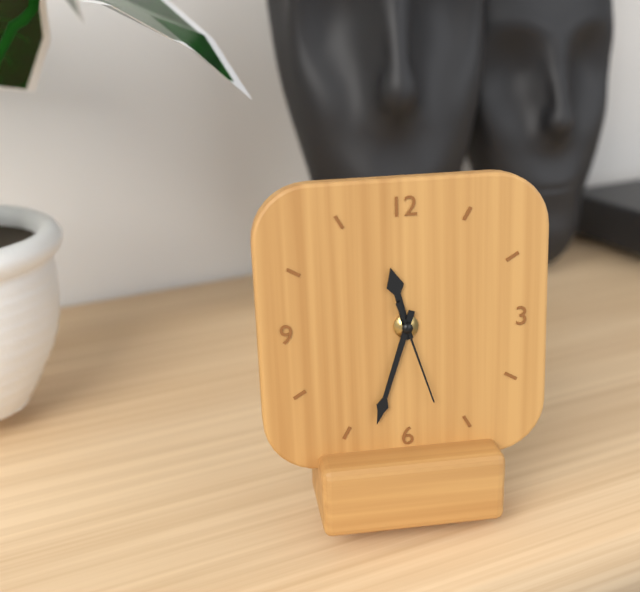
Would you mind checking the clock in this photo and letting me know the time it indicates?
11:33:27
